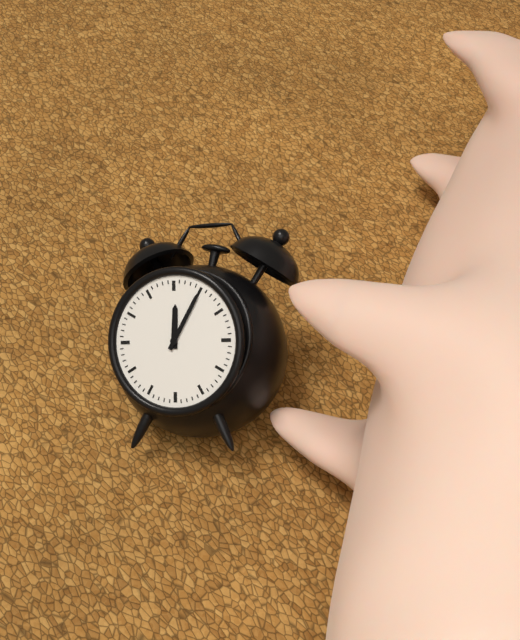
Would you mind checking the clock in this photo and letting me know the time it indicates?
12:05
